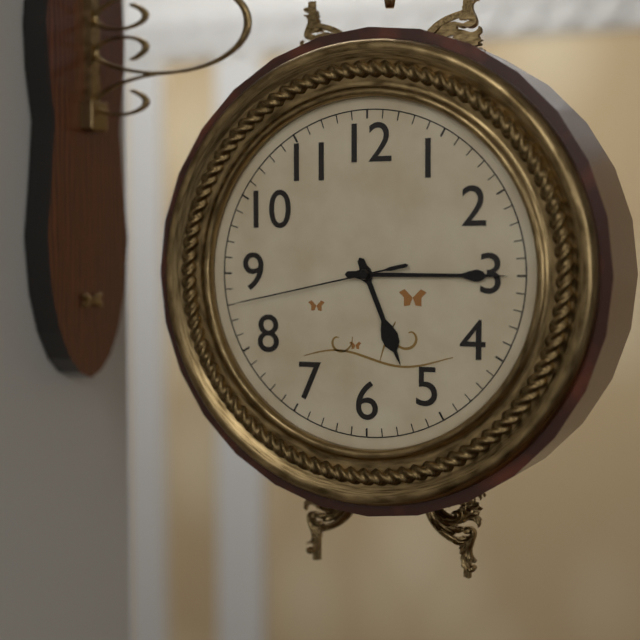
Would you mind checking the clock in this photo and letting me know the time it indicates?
5:15:43
